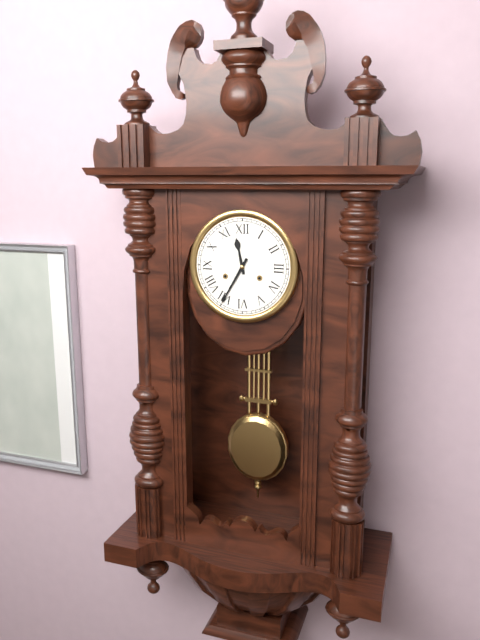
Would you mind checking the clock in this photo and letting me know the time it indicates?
11:35
